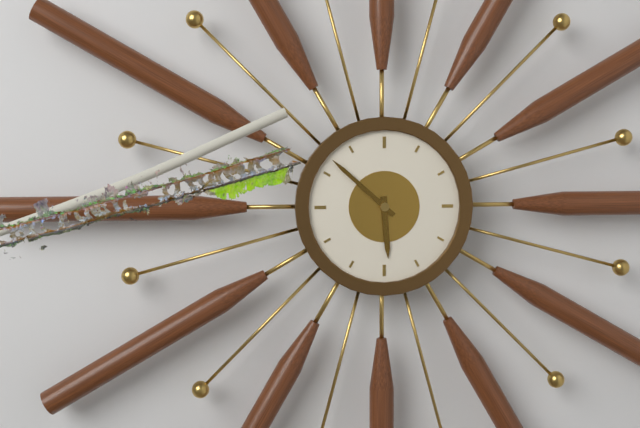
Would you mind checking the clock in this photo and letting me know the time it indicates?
5:52
